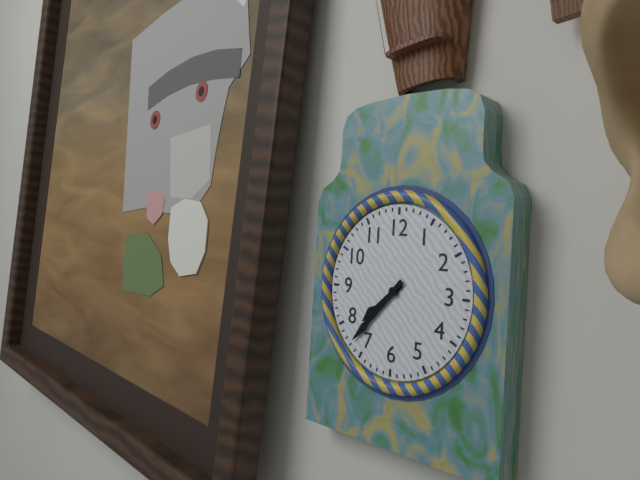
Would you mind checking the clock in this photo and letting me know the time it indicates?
7:37
